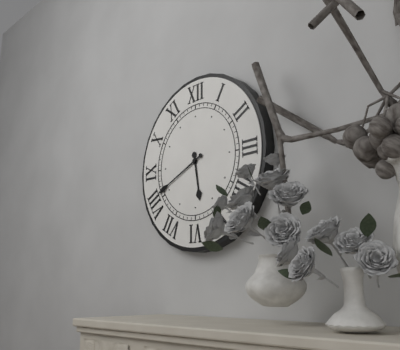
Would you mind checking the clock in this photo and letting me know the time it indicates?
5:41
